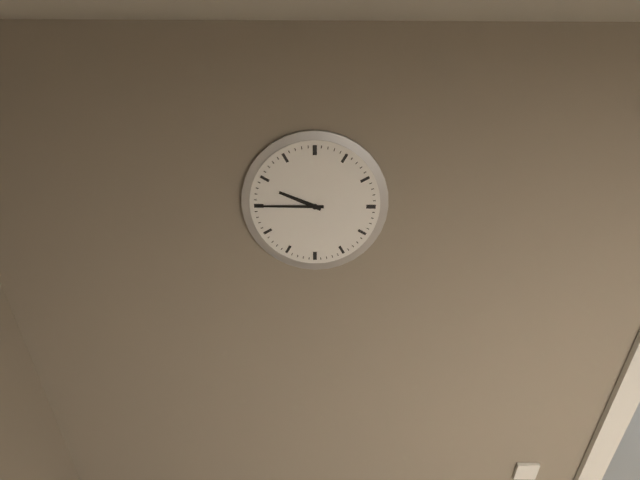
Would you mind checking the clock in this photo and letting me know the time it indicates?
9:45
